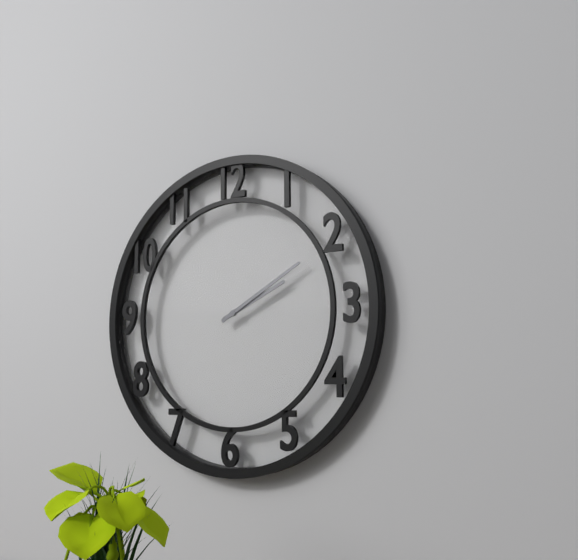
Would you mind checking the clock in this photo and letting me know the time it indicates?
2:10
